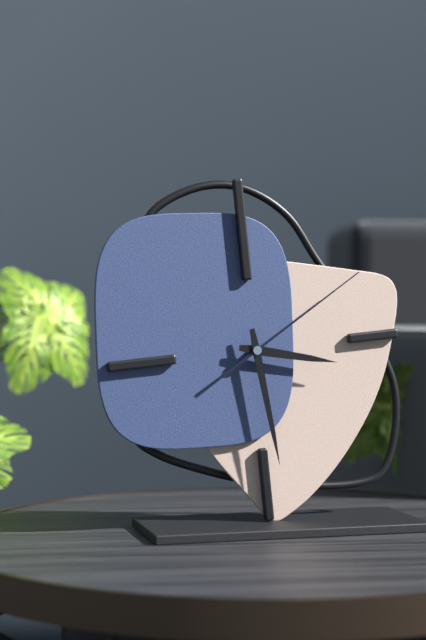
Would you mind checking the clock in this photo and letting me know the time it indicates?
3:29:10
